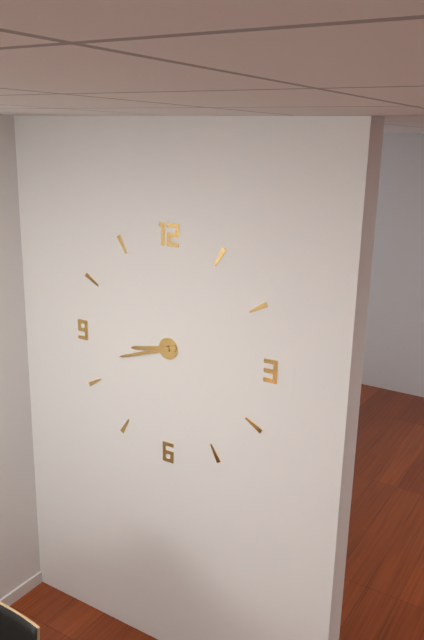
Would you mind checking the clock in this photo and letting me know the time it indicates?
8:42
